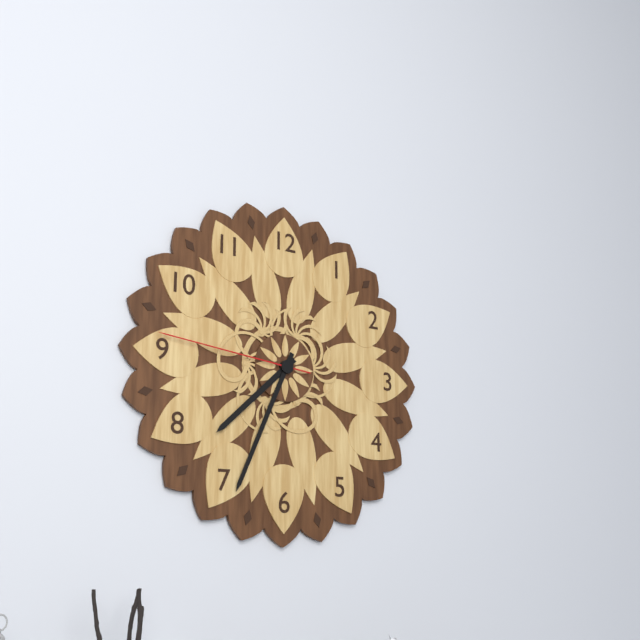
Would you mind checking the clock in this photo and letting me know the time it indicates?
7:34:46
